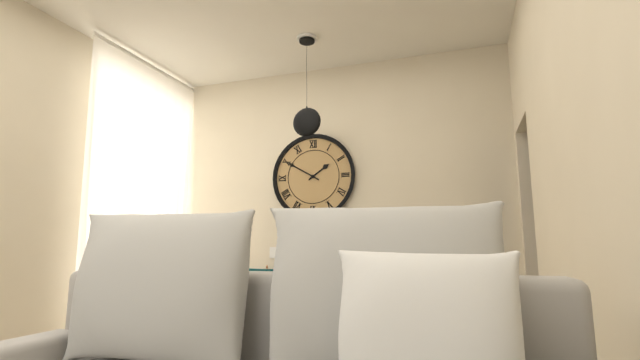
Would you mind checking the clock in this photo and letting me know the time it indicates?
1:50
